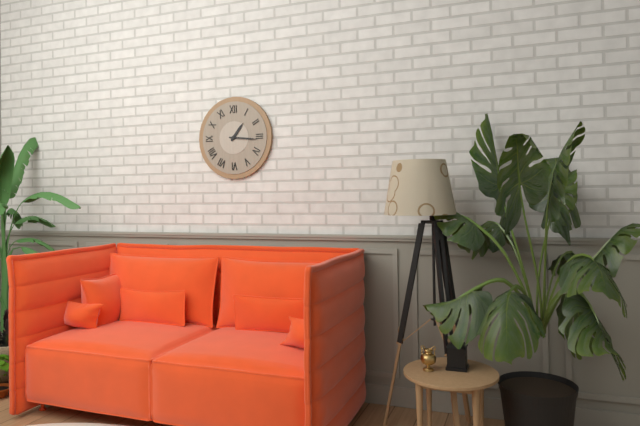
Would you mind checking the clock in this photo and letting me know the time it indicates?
1:16
